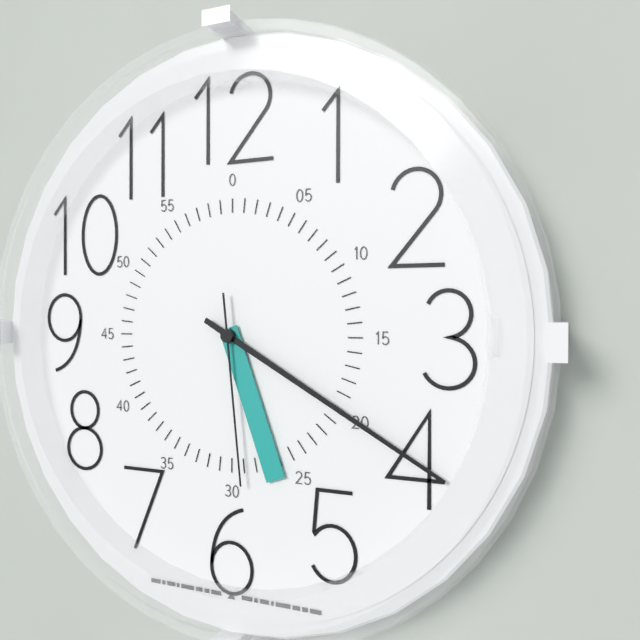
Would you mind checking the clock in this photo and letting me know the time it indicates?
5:20:29
